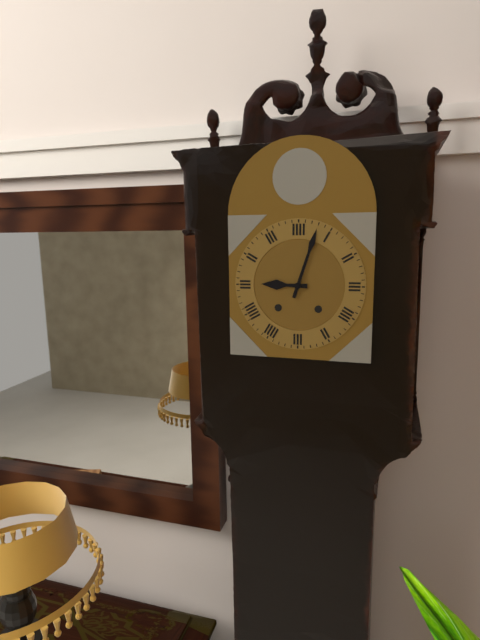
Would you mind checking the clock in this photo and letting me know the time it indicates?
9:03
